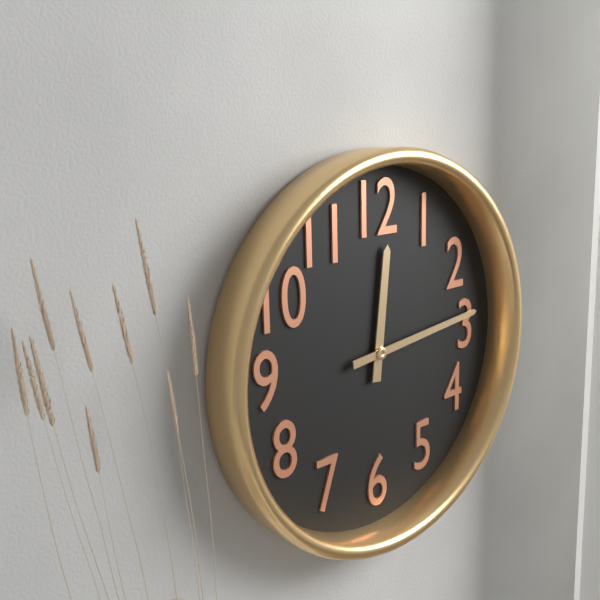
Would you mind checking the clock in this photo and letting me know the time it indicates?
12:14
